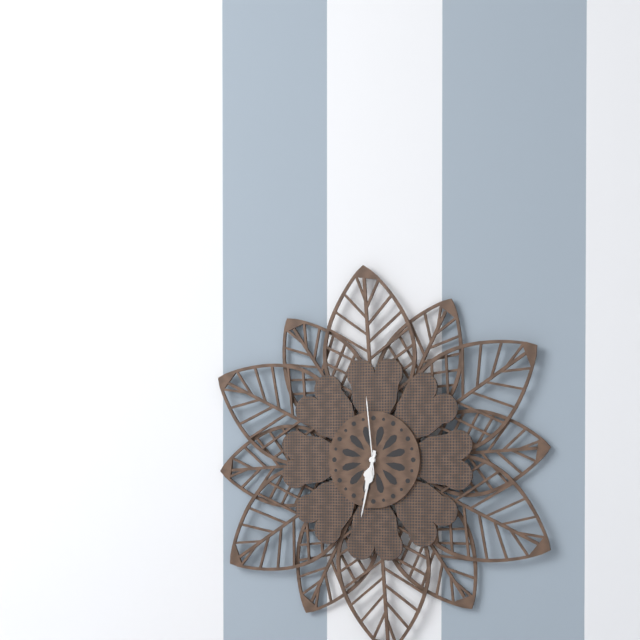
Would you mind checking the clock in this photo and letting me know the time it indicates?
6:32:59
